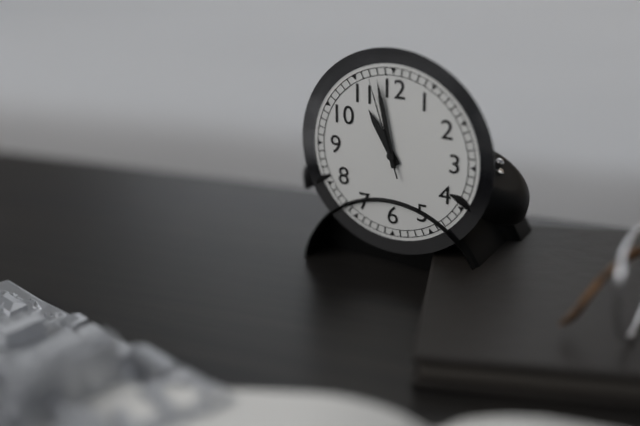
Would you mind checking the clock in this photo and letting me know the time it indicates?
10:58:57
